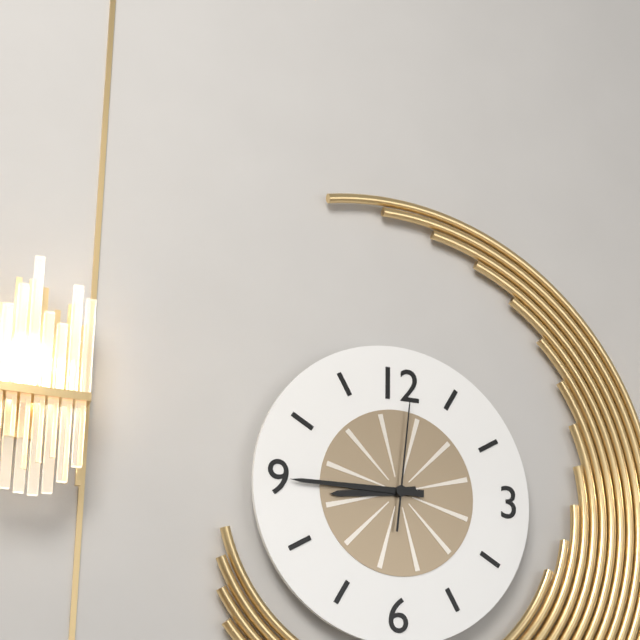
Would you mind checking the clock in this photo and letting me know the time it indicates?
8:45:01
